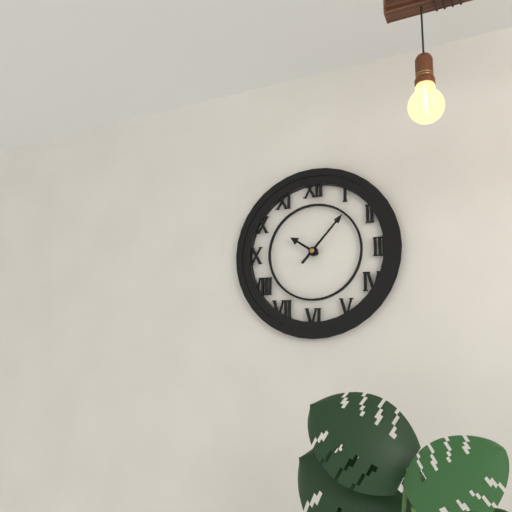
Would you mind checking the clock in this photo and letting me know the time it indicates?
10:07
